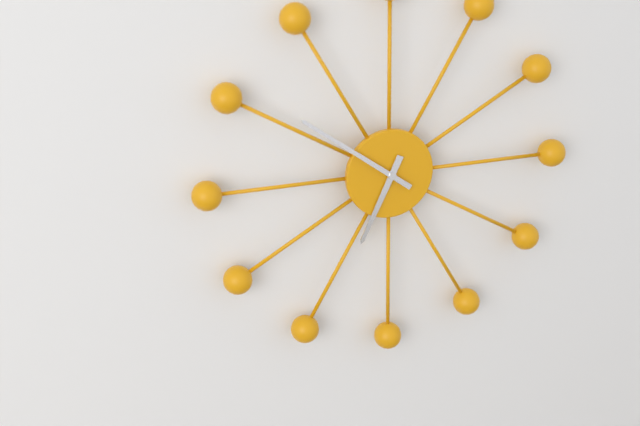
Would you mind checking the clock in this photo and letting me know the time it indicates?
6:51
